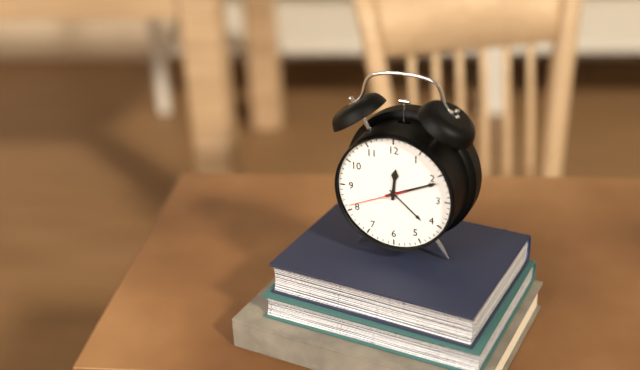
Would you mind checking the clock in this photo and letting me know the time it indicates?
12:11:41
